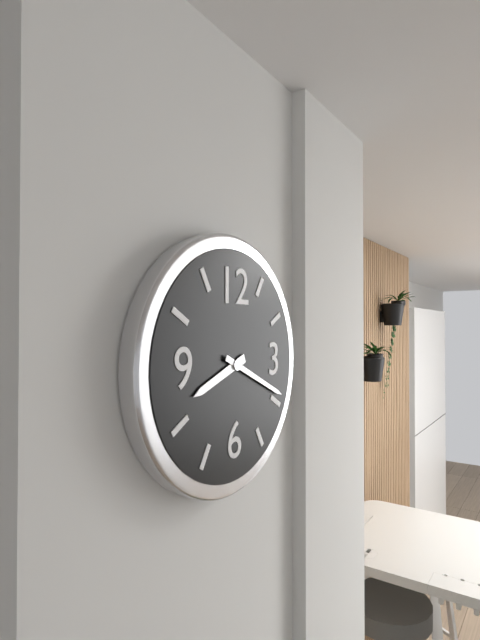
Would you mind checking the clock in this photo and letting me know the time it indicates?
8:19
